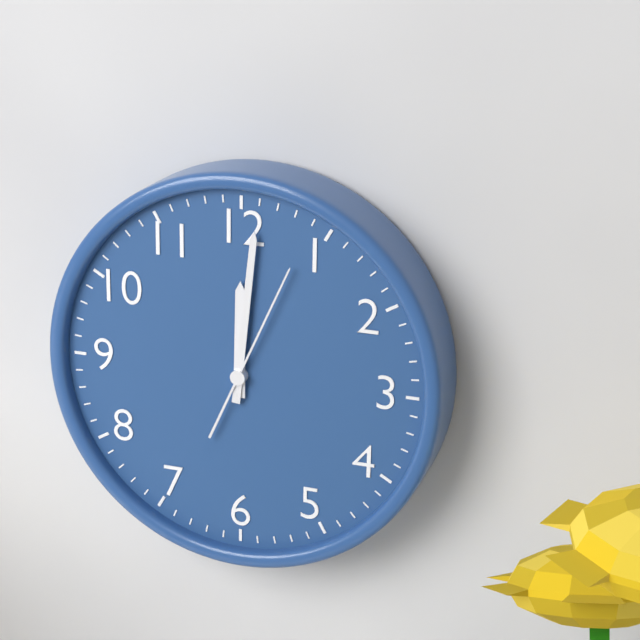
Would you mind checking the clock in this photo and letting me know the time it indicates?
12:01:04
